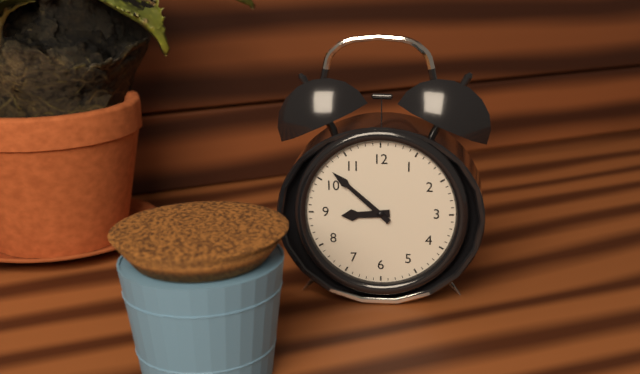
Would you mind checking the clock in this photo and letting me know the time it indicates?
8:52
